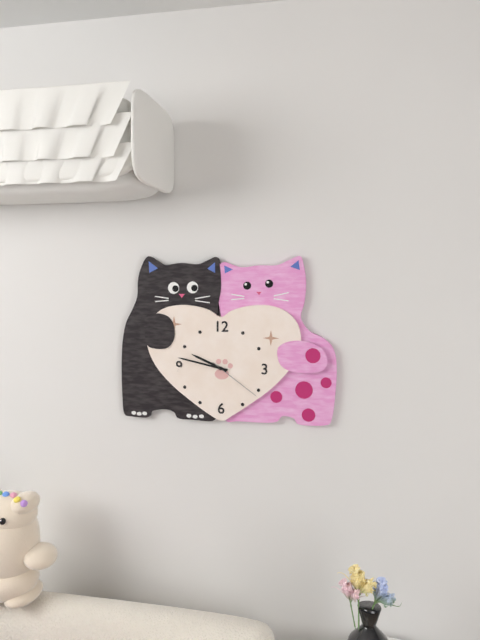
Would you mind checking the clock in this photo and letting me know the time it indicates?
9:47:21
